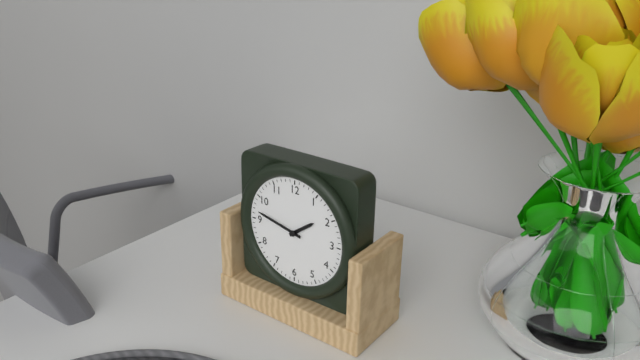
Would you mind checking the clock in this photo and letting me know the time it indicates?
1:47
